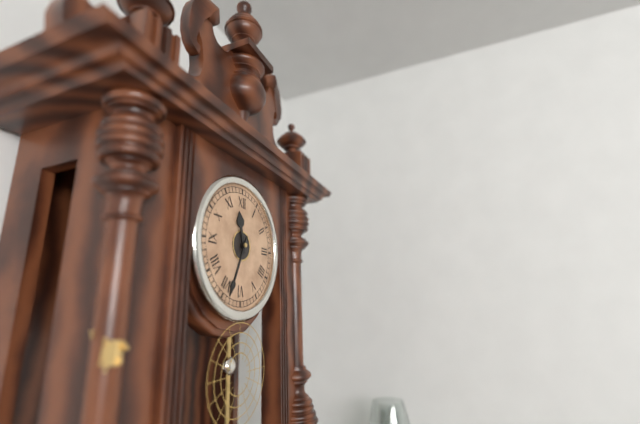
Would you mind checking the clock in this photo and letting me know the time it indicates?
11:34
